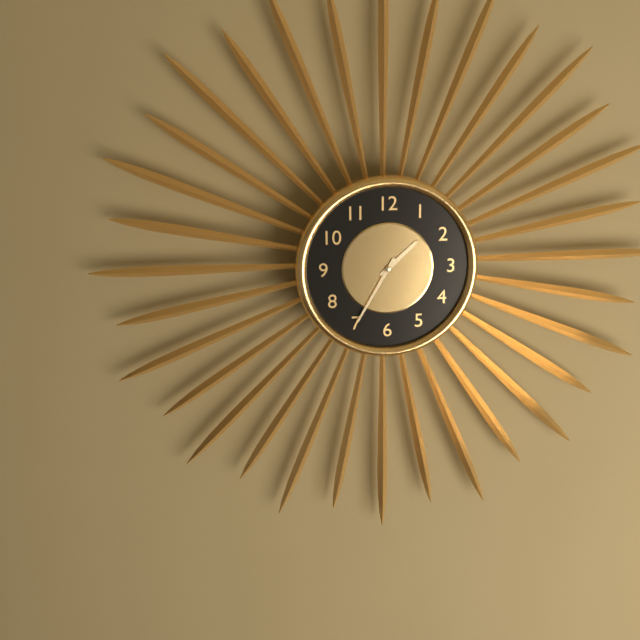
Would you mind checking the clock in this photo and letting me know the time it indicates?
1:35
